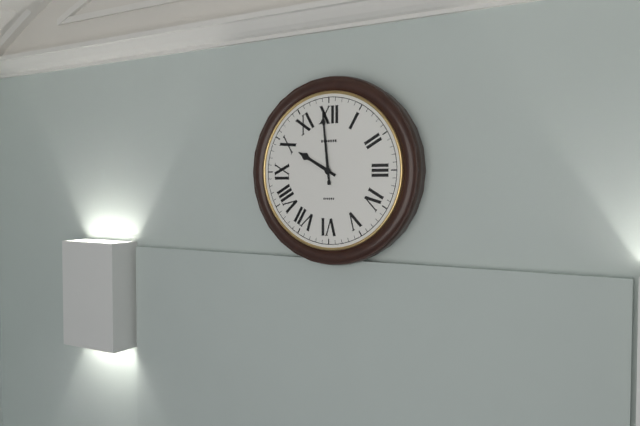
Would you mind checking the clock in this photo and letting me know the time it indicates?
9:59
